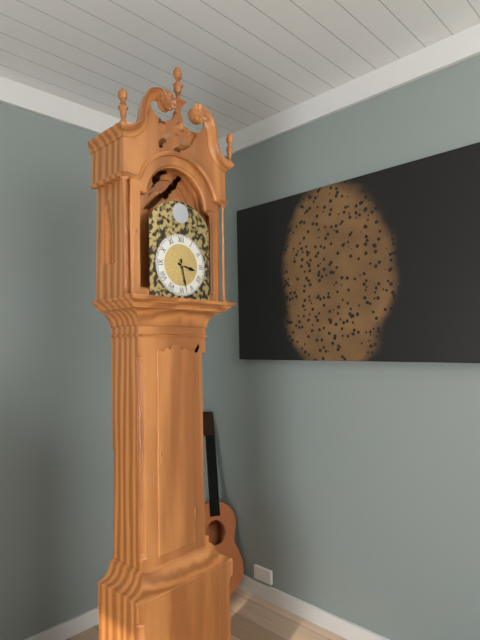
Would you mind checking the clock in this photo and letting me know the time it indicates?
3:28
